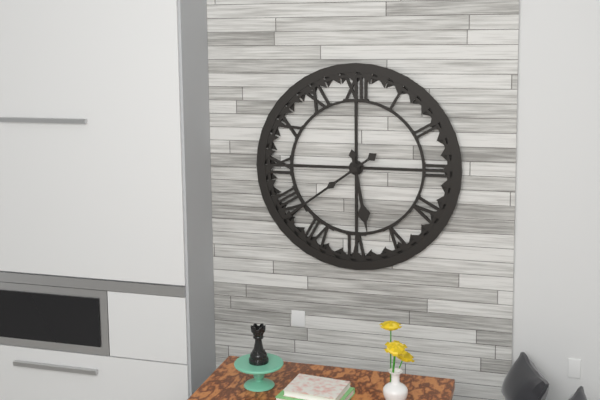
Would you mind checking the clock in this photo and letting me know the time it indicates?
5:39
